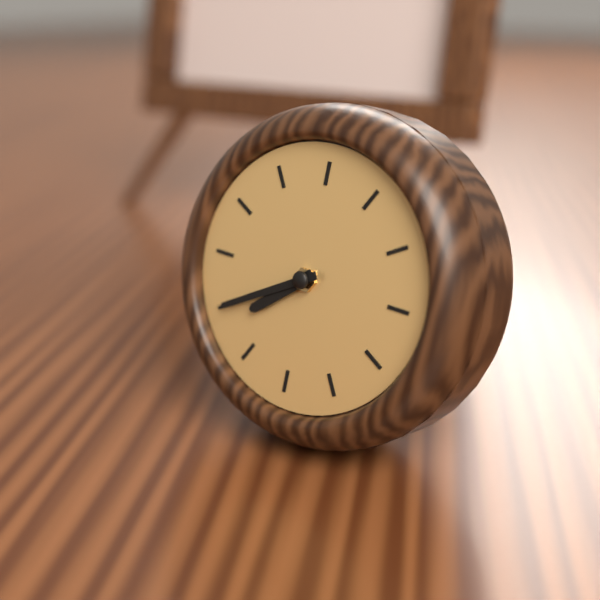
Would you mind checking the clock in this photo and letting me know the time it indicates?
7:40
